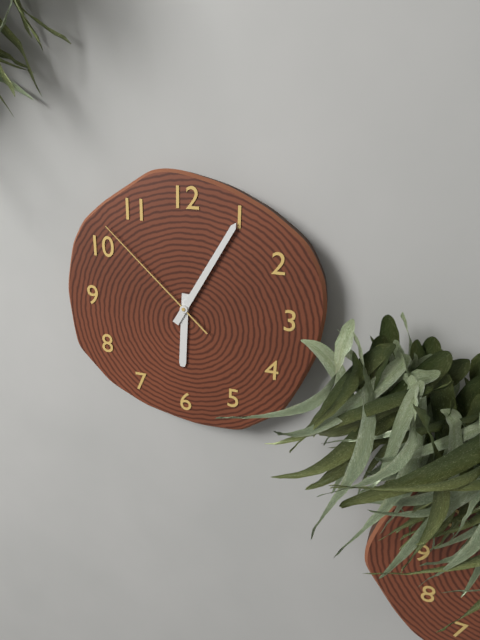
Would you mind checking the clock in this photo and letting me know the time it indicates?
6:05:52
